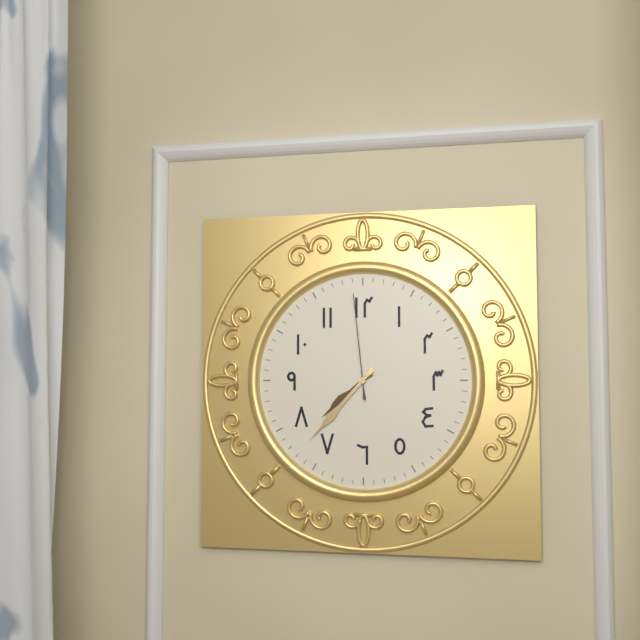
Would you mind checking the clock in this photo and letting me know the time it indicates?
7:37:59
